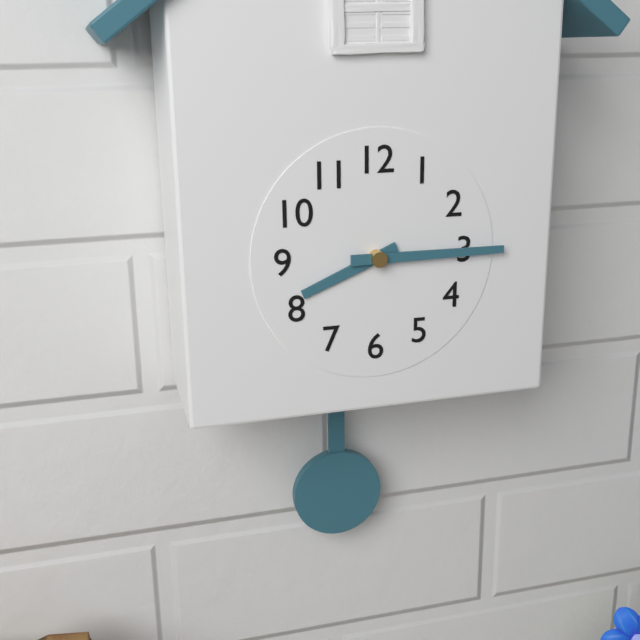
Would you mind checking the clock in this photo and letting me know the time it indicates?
8:15
